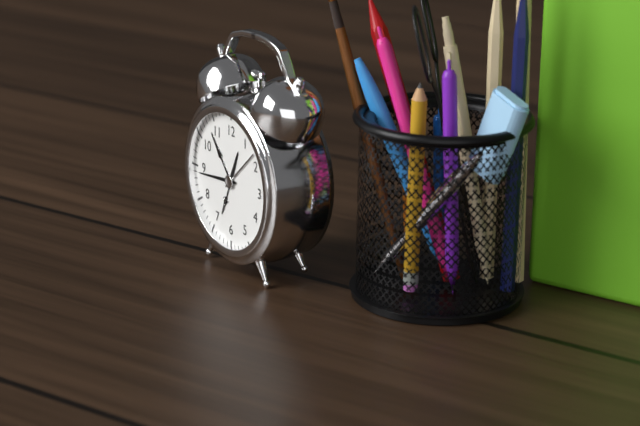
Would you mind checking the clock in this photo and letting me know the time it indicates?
12:44
